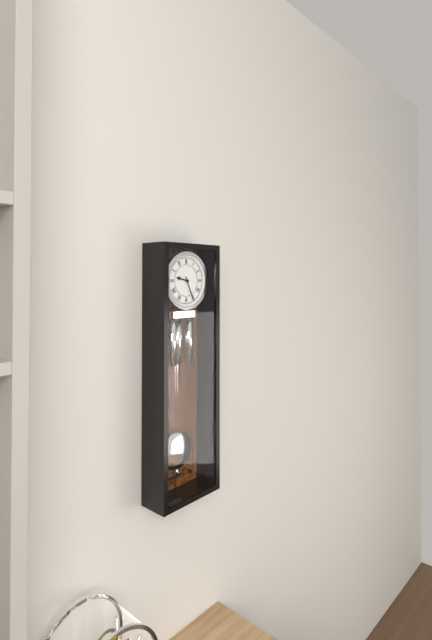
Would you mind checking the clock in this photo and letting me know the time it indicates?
9:26
